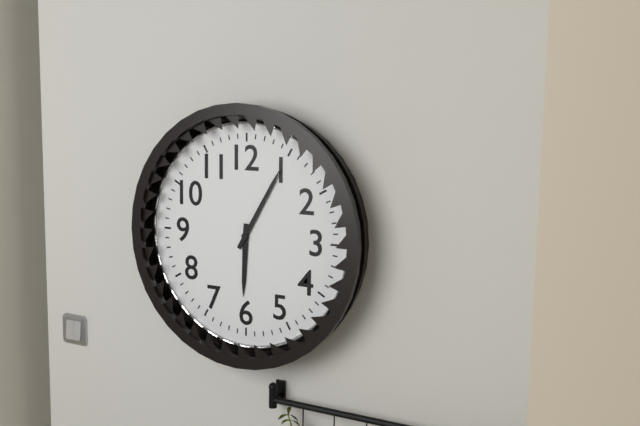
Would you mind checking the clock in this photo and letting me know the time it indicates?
6:05
